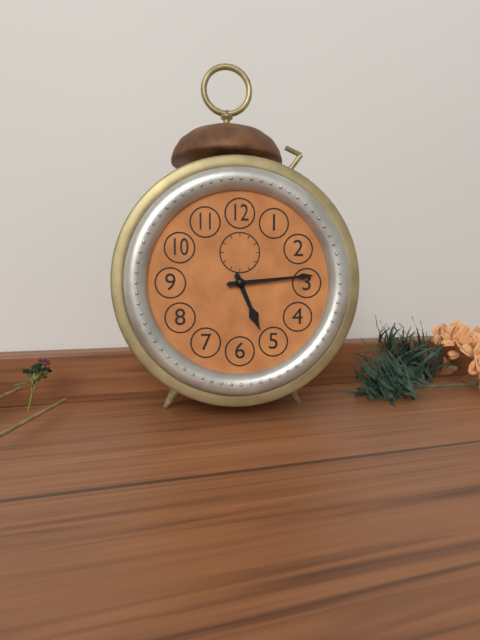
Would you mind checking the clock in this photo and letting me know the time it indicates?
5:14
